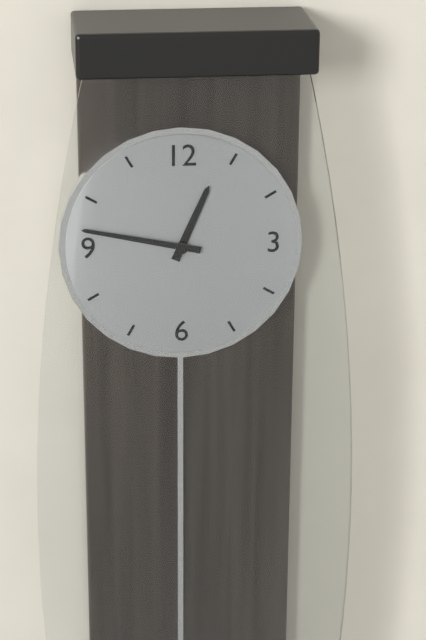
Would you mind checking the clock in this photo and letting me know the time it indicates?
12:47
